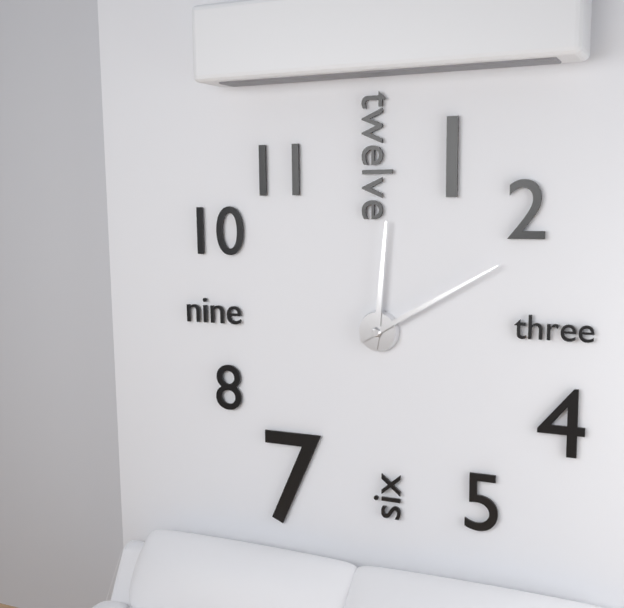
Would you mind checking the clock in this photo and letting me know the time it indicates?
12:10
